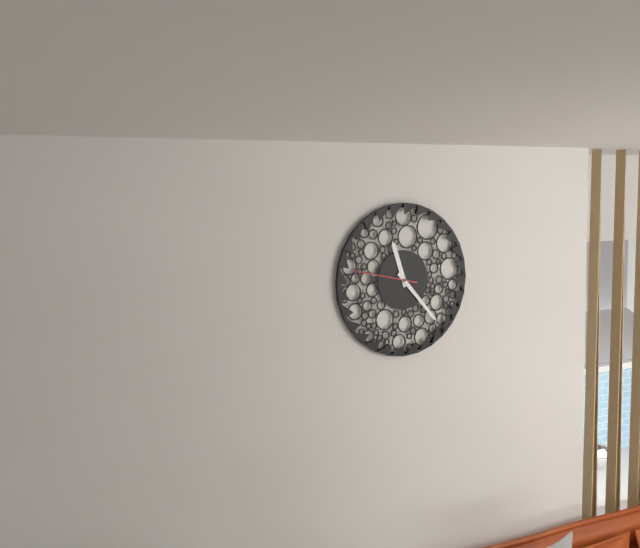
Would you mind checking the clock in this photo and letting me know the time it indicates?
11:23:47
